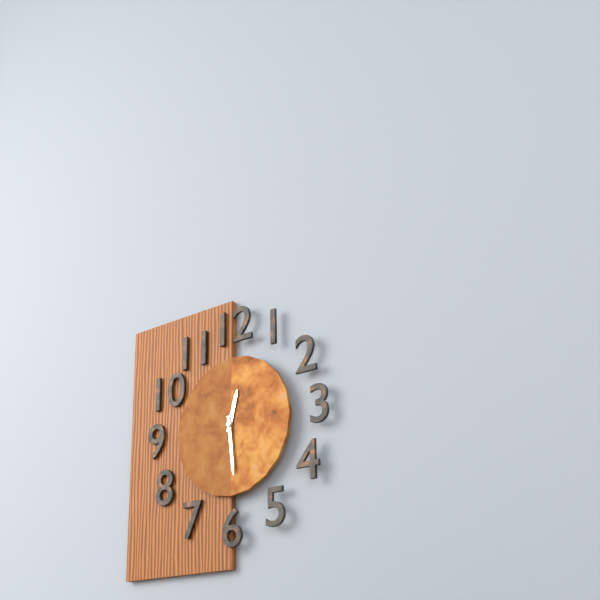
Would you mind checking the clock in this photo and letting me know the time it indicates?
12:29
